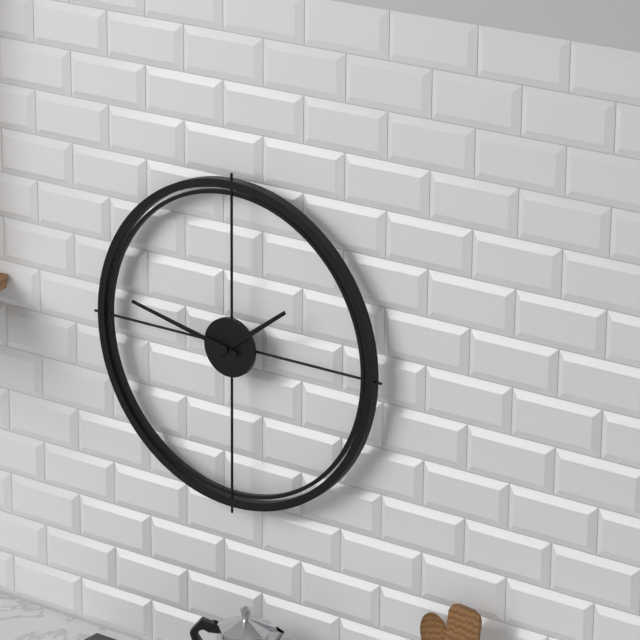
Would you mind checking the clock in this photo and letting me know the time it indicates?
1:47
